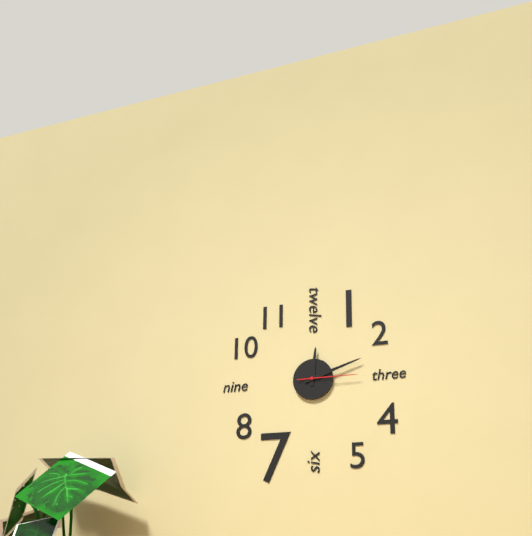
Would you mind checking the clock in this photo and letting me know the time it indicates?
12:12:15
